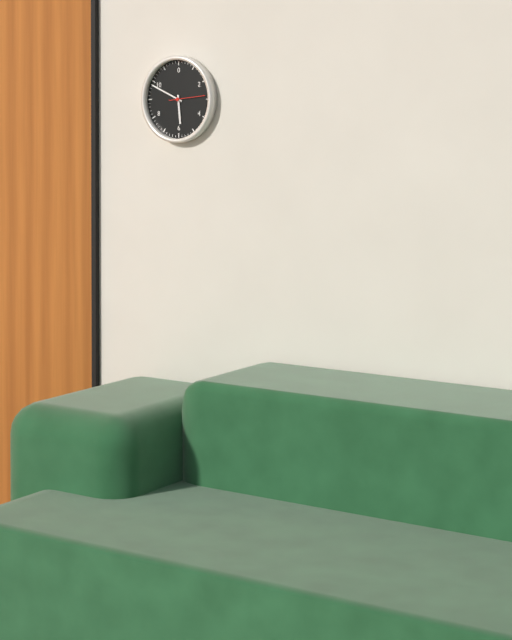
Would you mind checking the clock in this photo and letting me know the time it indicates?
5:49
